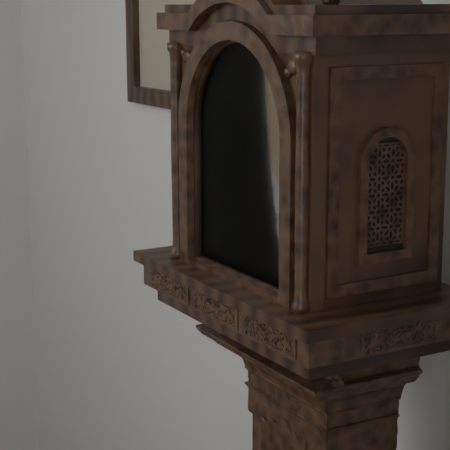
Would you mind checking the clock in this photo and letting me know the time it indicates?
9:32
